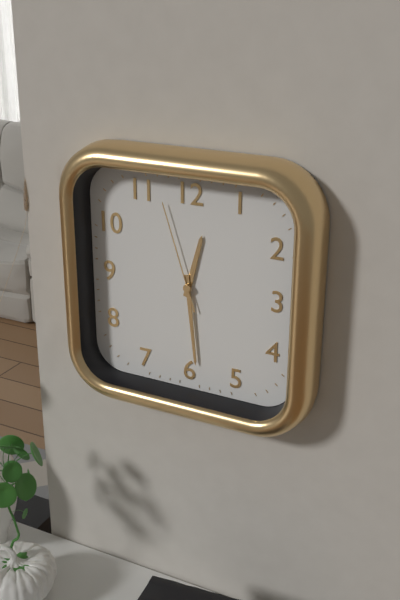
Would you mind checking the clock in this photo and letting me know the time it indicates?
12:29:57
